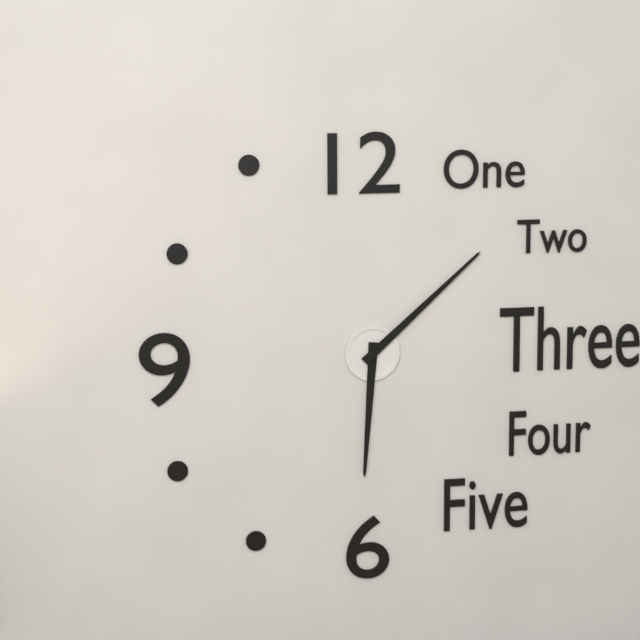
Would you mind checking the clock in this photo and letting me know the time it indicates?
6:08
